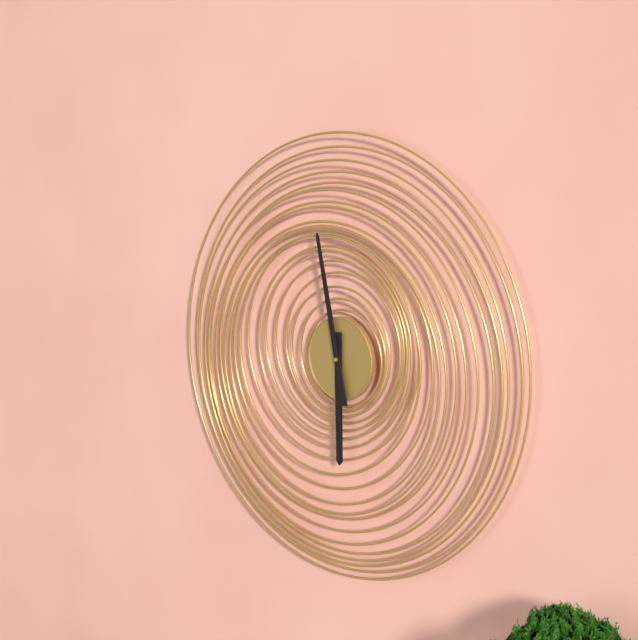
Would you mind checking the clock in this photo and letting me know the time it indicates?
5:58
